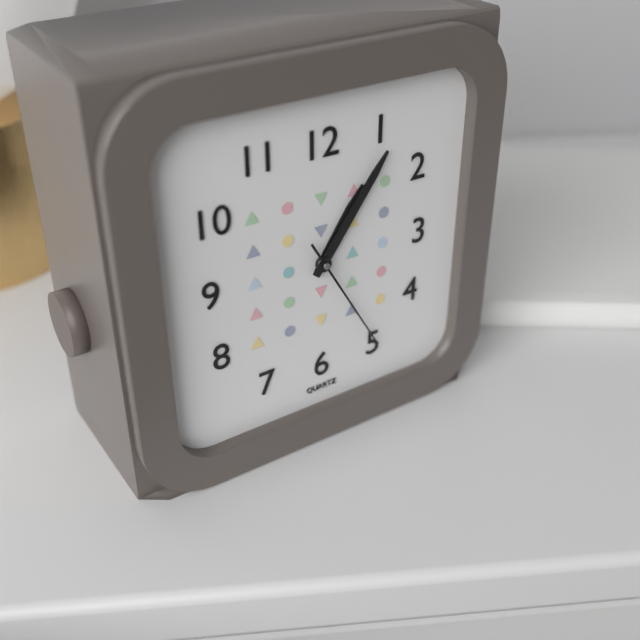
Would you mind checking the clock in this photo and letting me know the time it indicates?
1:06:25
